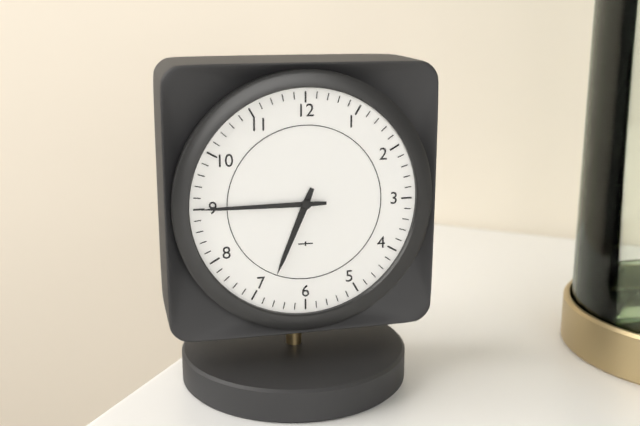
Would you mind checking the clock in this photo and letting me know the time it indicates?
6:45
